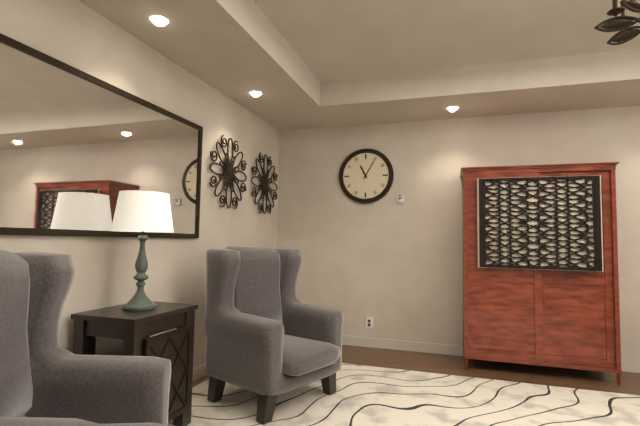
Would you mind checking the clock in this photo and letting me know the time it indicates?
11:05
